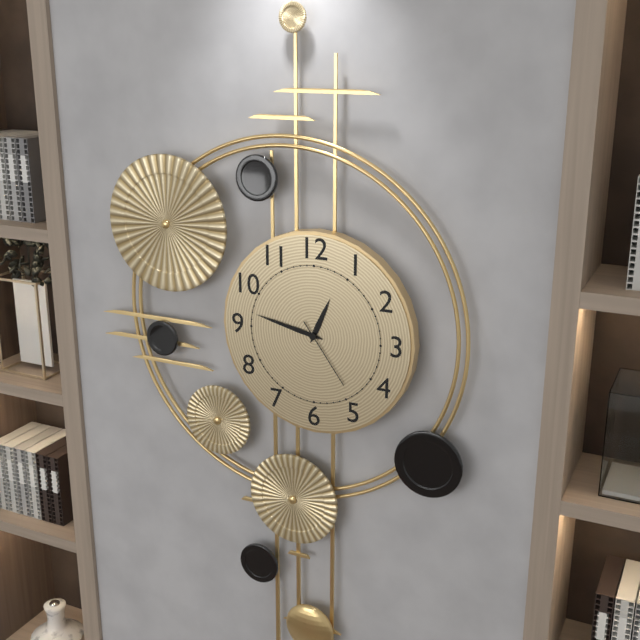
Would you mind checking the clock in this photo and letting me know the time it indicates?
12:47:24
